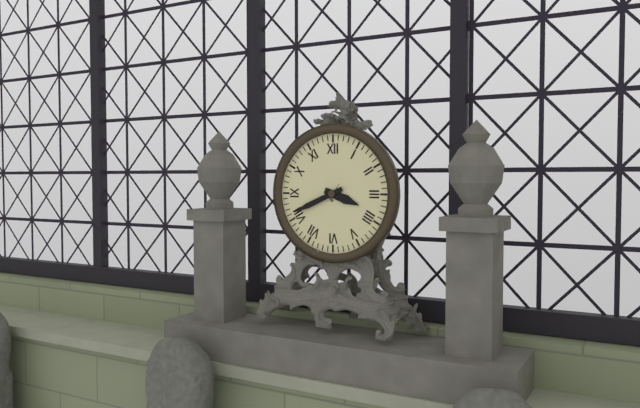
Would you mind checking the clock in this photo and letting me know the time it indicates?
3:41
